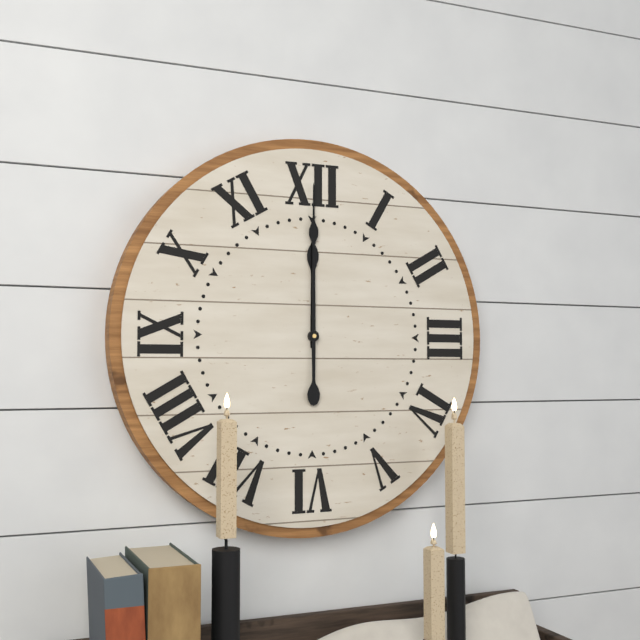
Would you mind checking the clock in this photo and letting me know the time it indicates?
12:00
